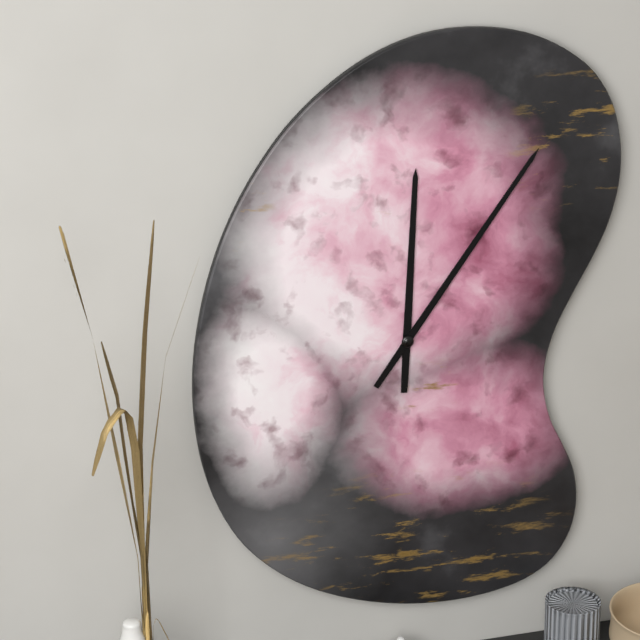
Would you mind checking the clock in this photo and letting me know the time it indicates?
12:06
